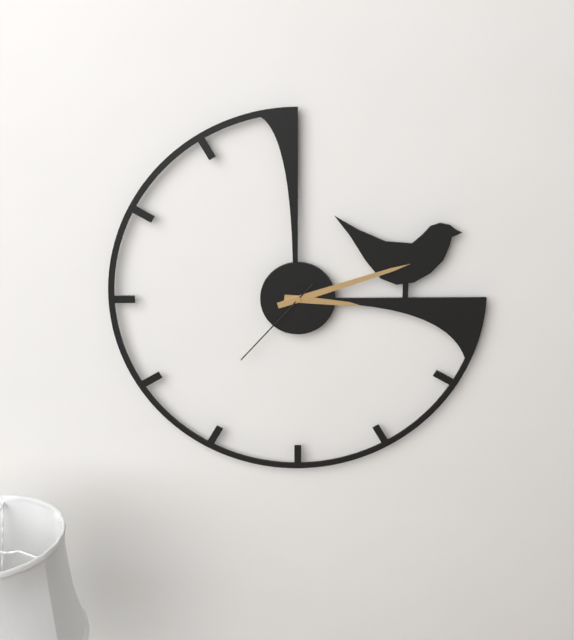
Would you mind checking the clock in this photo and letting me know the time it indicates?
3:12:37
